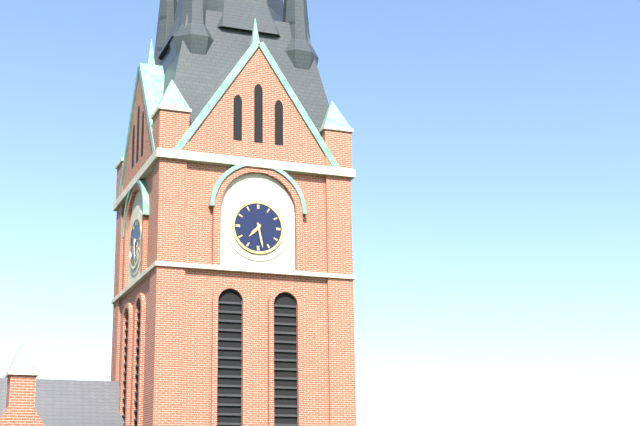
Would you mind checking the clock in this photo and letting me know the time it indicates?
7:28
